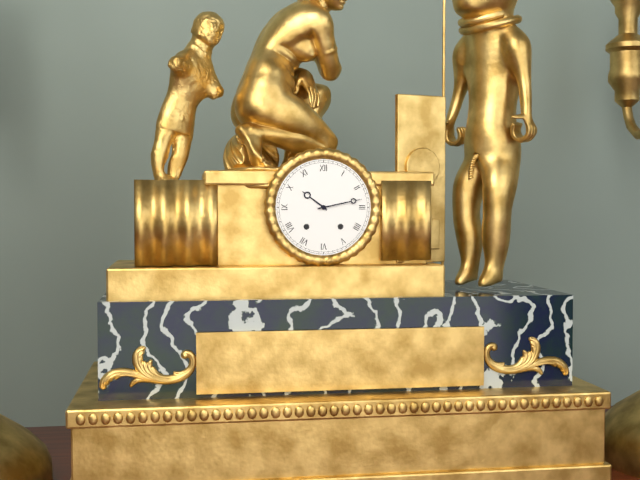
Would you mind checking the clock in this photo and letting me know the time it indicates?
10:13
